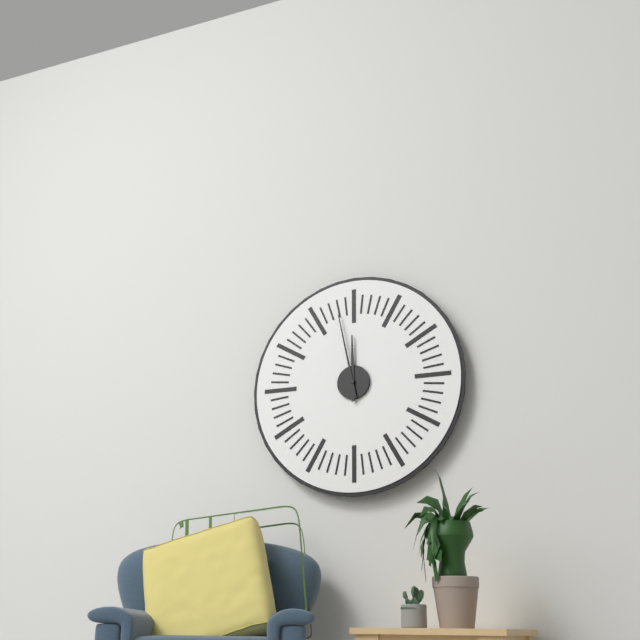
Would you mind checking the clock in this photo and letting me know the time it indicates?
11:58
